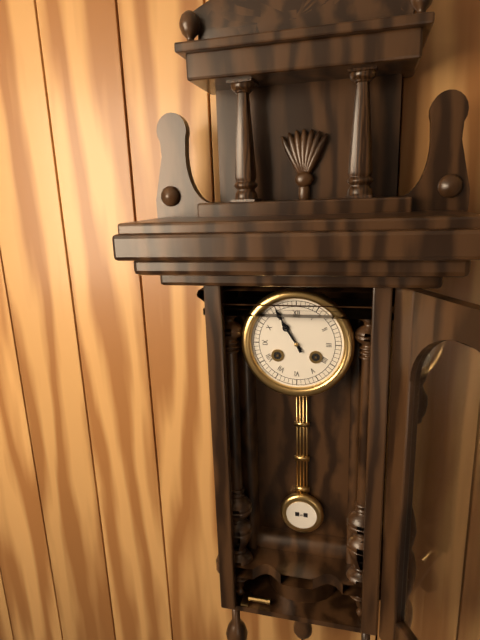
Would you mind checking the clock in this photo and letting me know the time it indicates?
10:55
